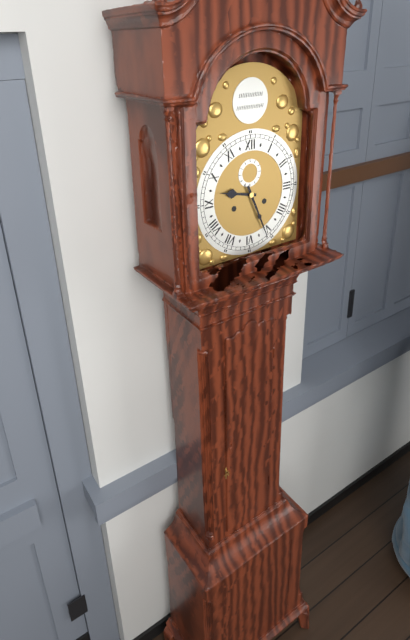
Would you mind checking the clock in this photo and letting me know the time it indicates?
9:26
